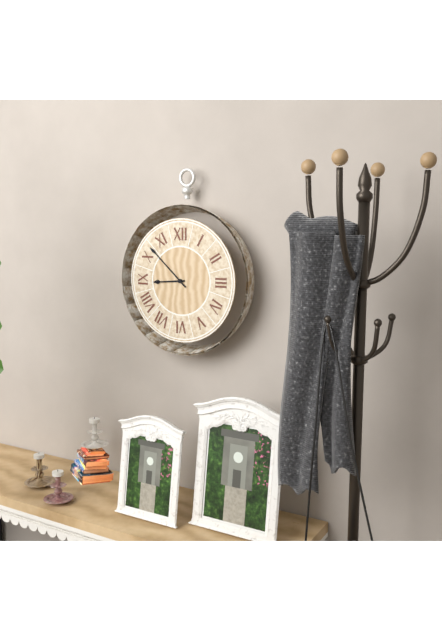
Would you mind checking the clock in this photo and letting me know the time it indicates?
8:52
